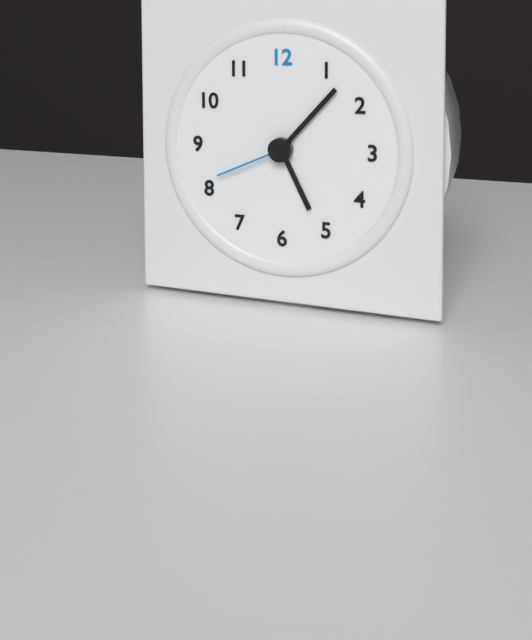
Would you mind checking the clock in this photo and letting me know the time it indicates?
5:07:41
